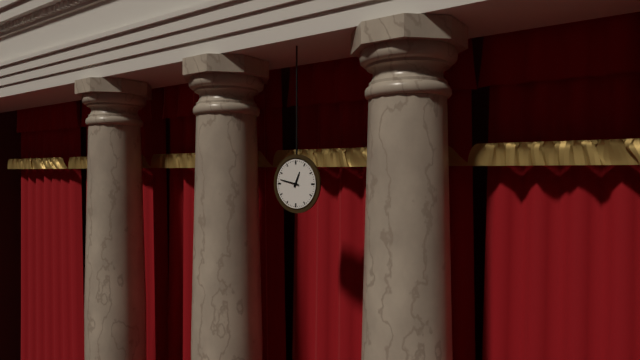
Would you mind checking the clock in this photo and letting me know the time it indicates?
12:47
